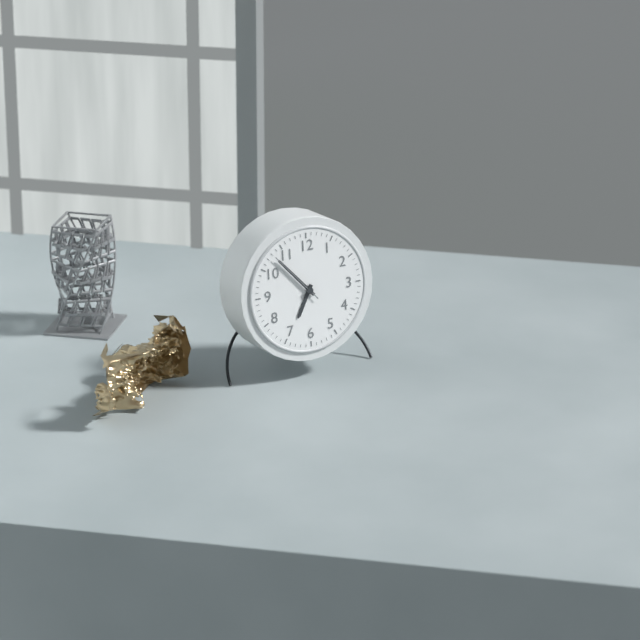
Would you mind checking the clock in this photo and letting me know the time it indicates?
6:53:53
